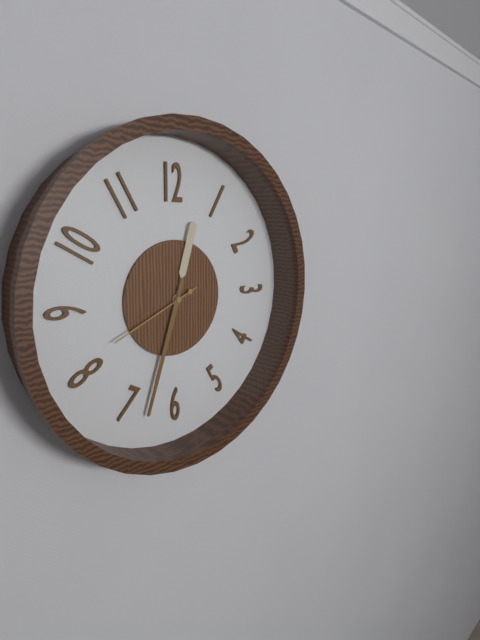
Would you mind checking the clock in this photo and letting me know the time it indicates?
12:33:41
